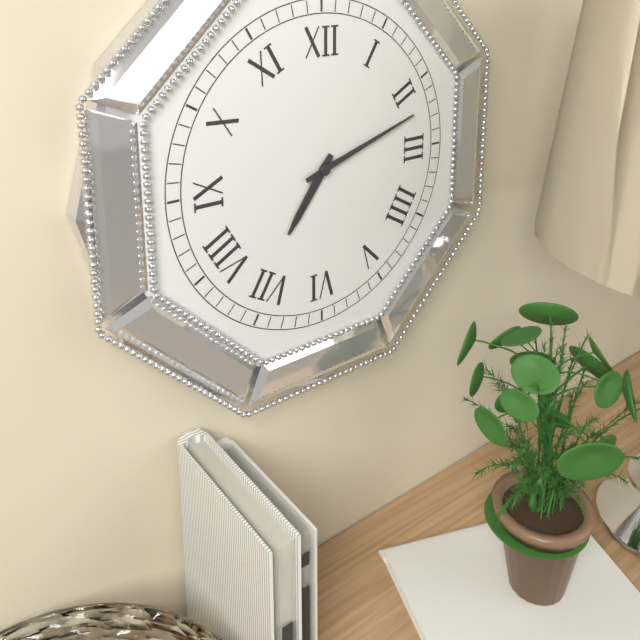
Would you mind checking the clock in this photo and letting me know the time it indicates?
7:12
